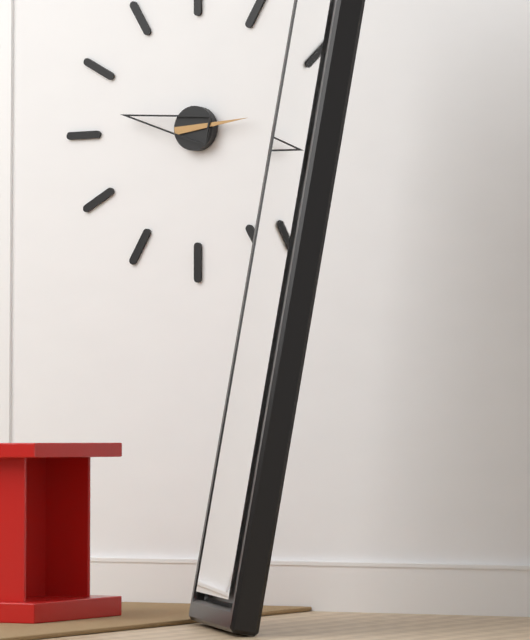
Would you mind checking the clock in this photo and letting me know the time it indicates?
2:47
